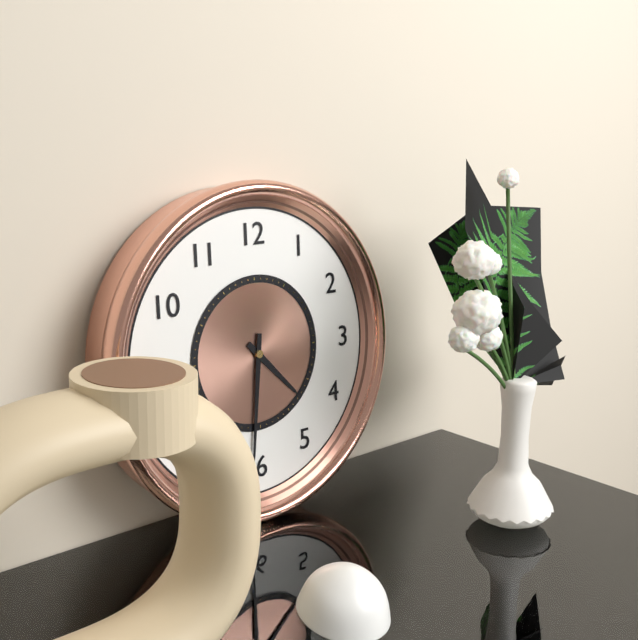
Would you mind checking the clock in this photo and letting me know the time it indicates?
4:31
